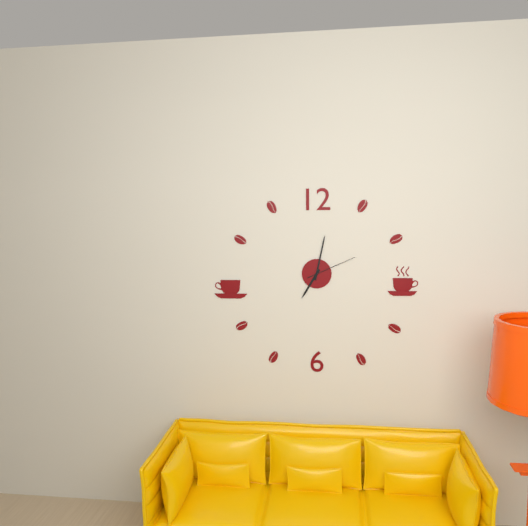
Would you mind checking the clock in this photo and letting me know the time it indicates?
7:02:11
